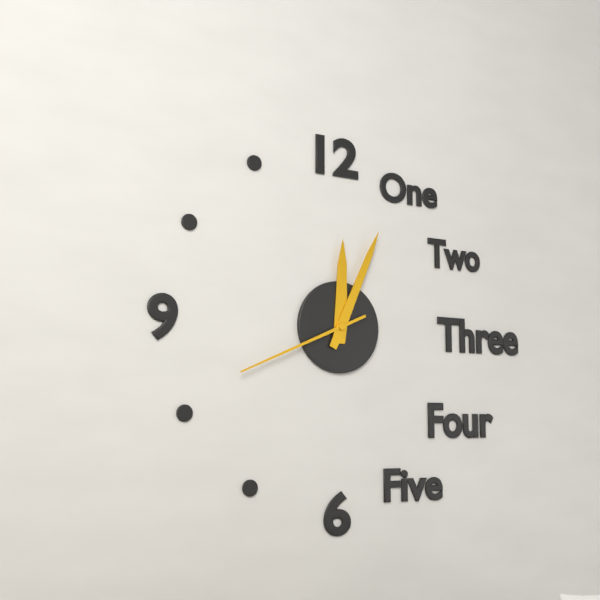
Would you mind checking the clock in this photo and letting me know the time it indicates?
12:04:41
